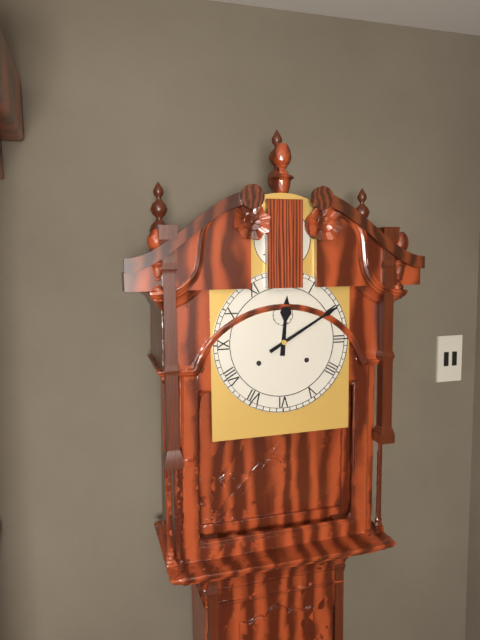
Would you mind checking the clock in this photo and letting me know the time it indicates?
12:10
